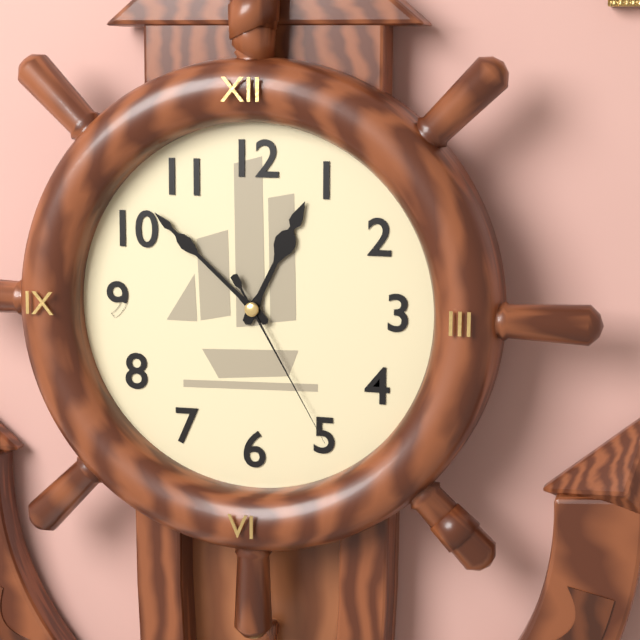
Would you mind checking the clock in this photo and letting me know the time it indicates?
12:52:25
